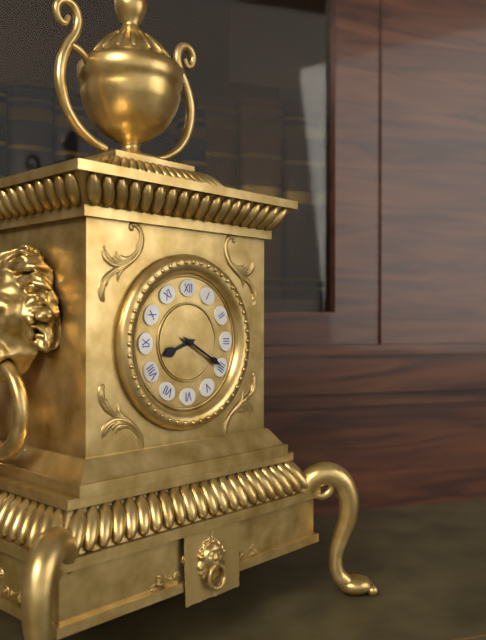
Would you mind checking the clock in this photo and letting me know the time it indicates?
8:20
